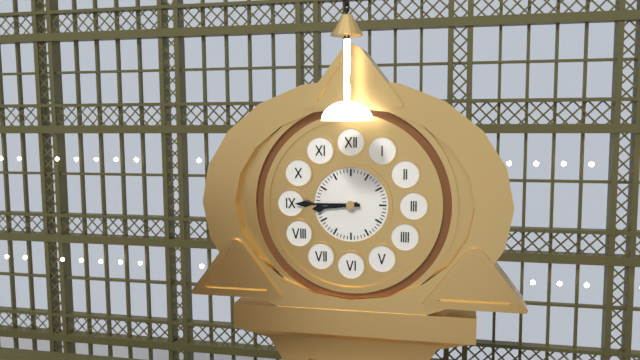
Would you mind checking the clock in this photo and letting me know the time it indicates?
8:45
